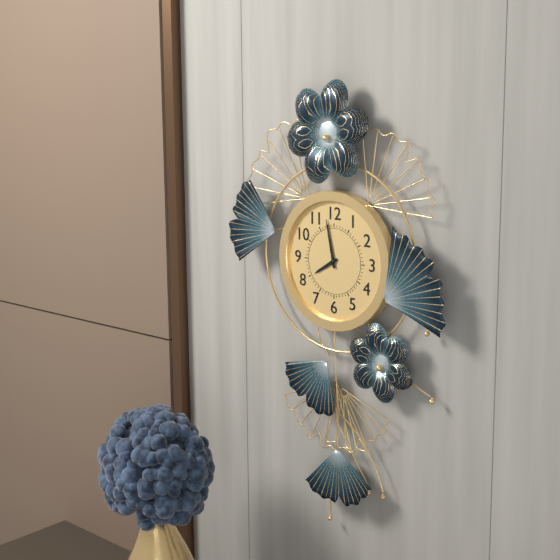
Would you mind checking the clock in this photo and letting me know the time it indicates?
7:58
